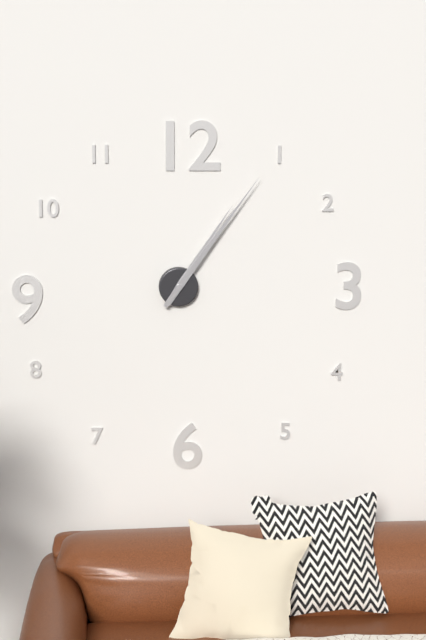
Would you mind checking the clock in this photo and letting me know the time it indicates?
1:06
